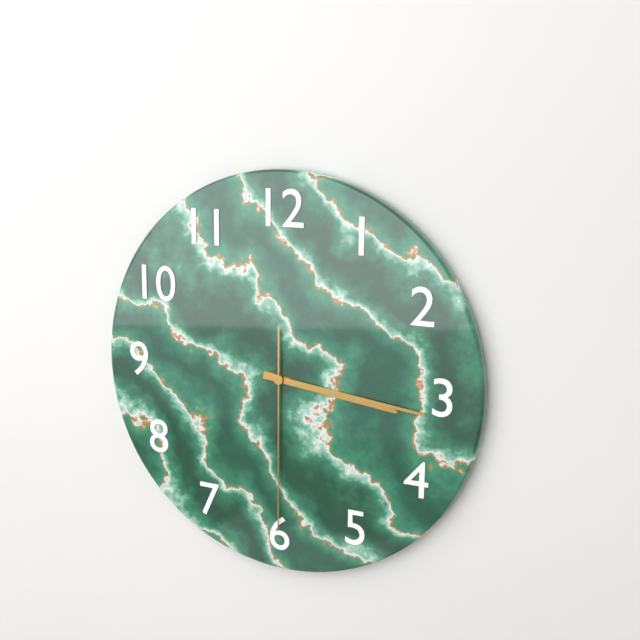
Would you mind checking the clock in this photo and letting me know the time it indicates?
3:16:30
